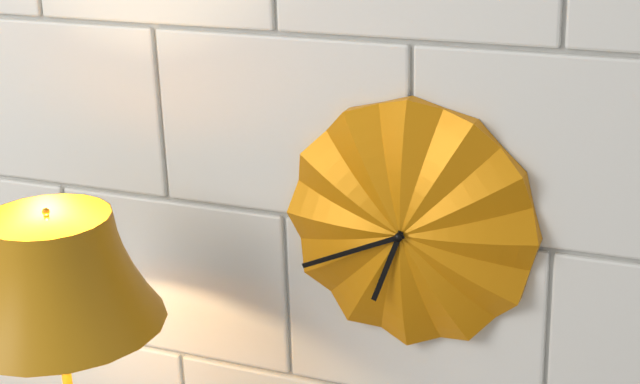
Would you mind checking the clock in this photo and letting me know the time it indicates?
6:41
